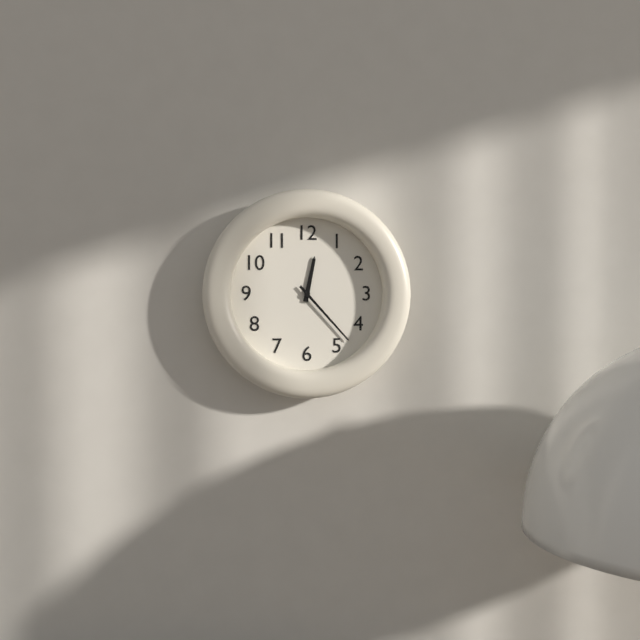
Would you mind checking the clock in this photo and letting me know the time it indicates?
12:23
